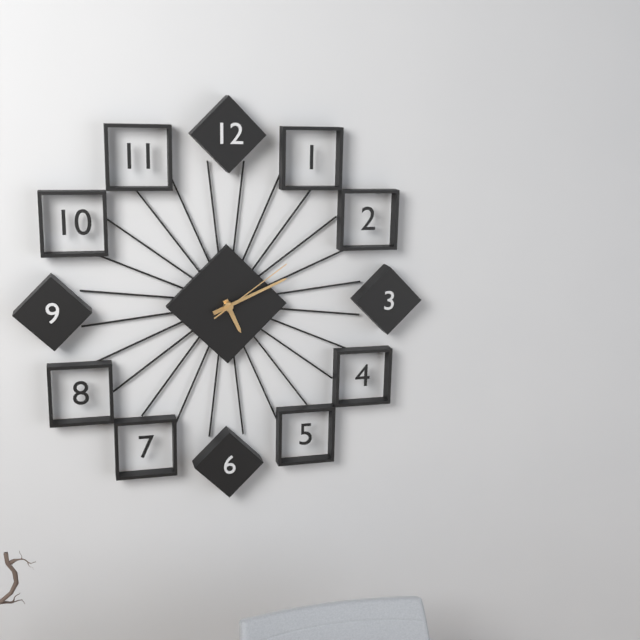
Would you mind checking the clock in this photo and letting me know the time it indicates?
5:11:09
